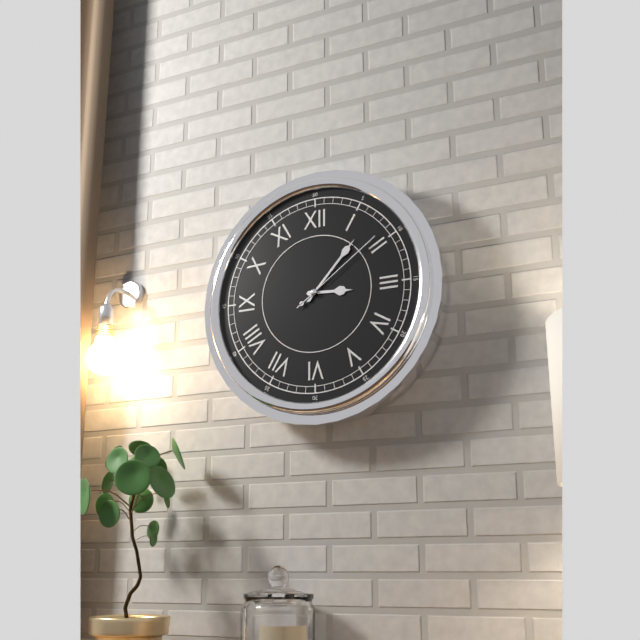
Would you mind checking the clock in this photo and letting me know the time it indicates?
3:07:09
